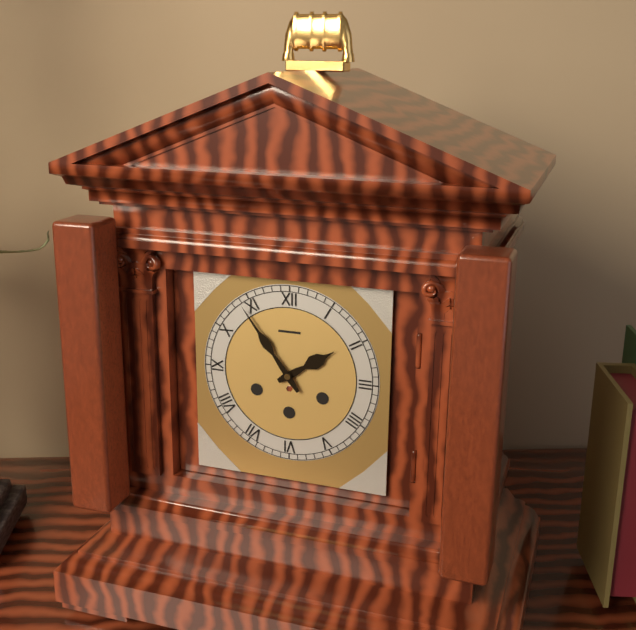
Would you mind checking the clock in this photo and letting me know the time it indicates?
1:54
